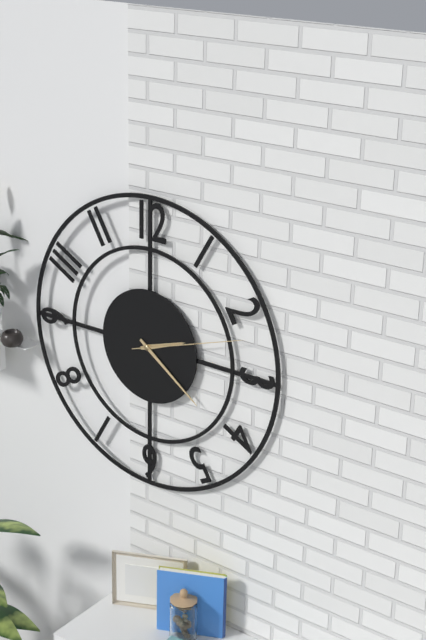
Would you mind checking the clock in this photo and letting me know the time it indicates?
2:21:12
